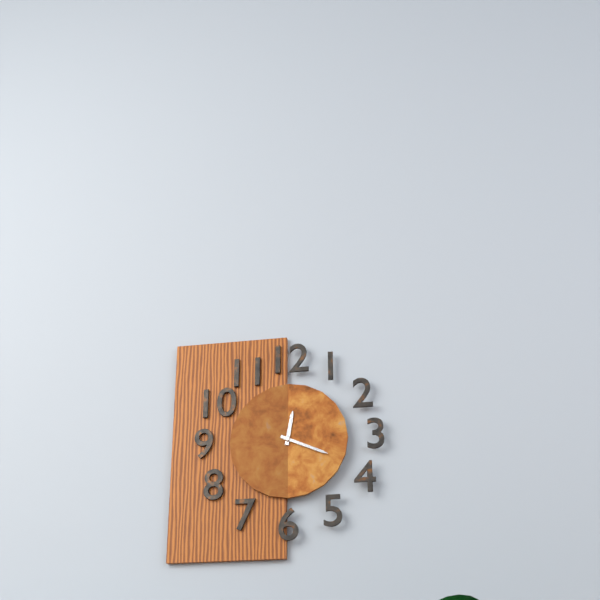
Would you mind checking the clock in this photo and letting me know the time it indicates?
12:19
